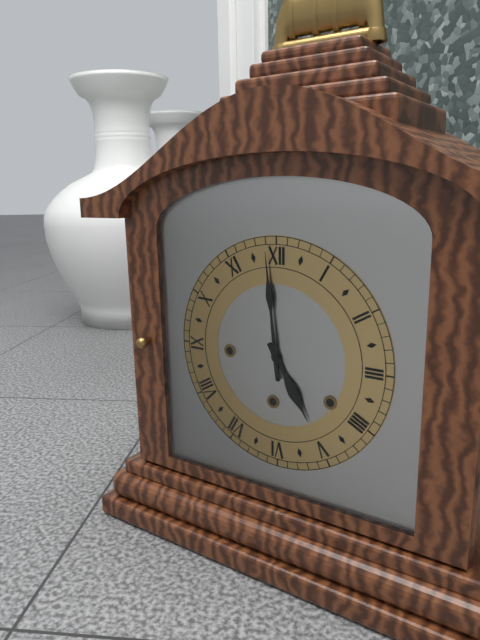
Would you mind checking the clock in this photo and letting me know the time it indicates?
4:59
